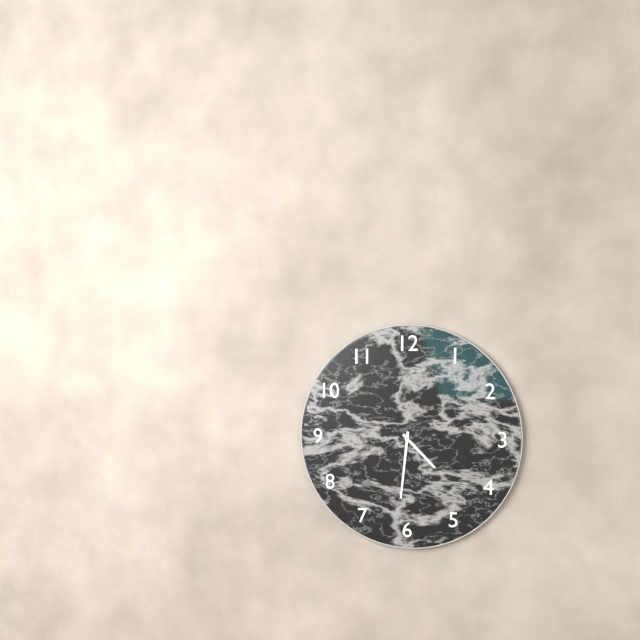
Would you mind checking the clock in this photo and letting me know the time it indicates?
4:31
